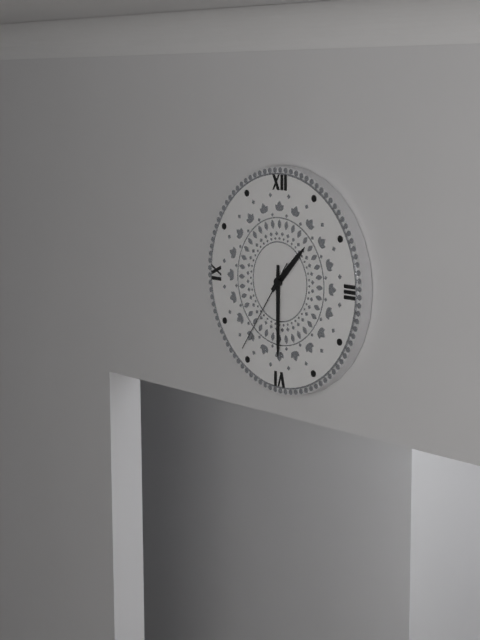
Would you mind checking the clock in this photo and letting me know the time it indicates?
1:30:36
